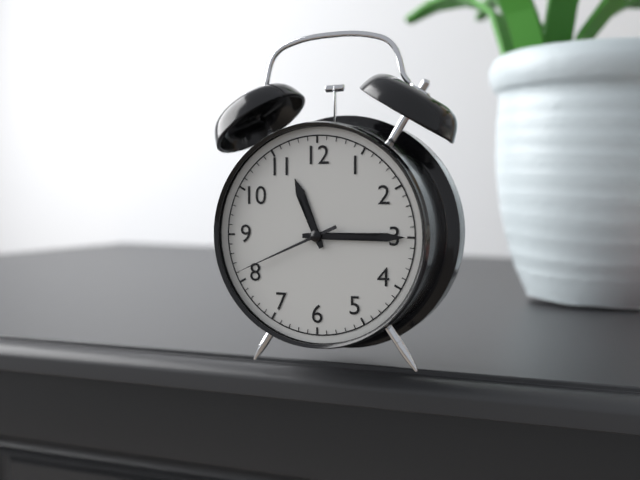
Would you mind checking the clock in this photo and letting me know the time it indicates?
11:15:41
